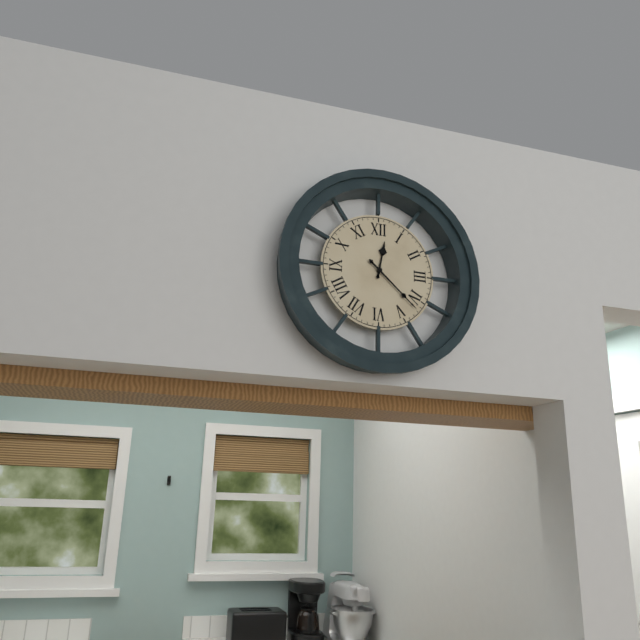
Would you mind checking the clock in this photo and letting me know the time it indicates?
12:22
